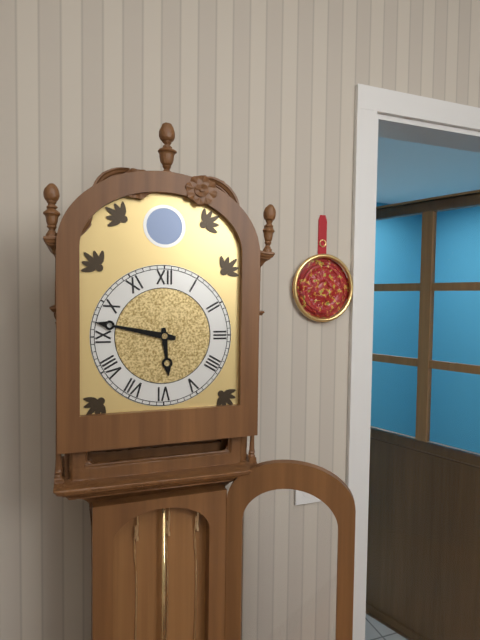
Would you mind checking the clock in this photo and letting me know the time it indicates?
5:47
